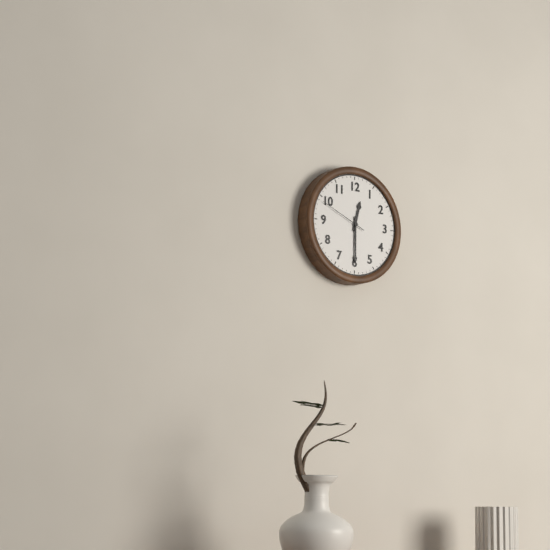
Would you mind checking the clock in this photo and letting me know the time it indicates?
12:30:49
